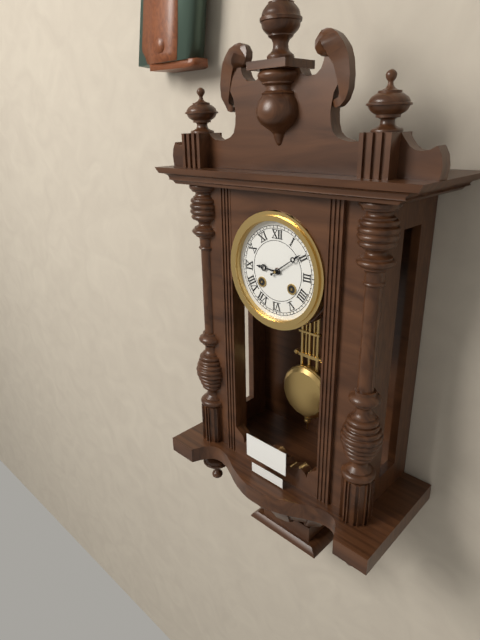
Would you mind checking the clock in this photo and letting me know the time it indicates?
9:09
